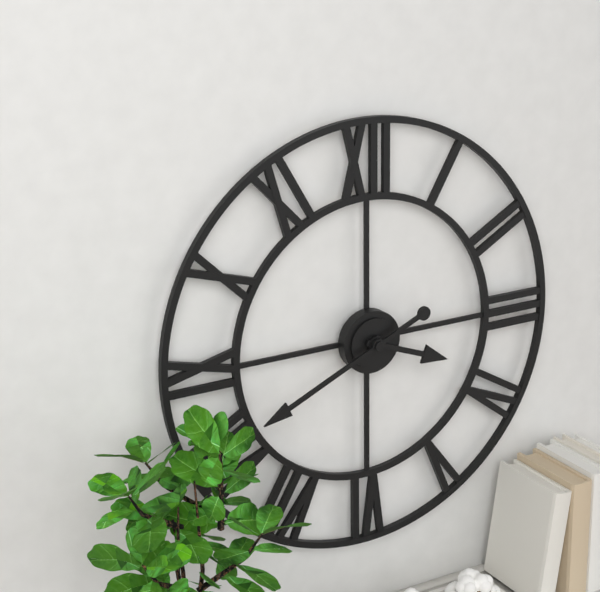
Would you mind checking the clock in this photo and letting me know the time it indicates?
3:41
